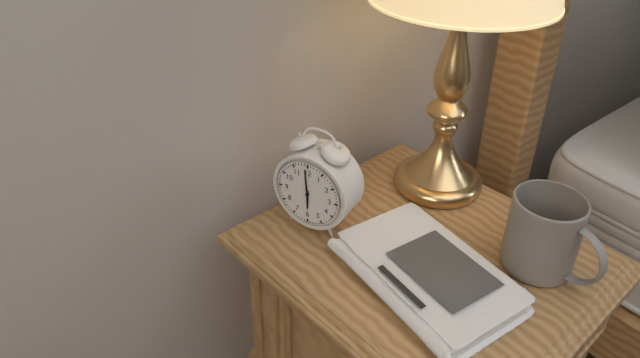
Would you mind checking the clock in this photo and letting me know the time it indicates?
5:59
